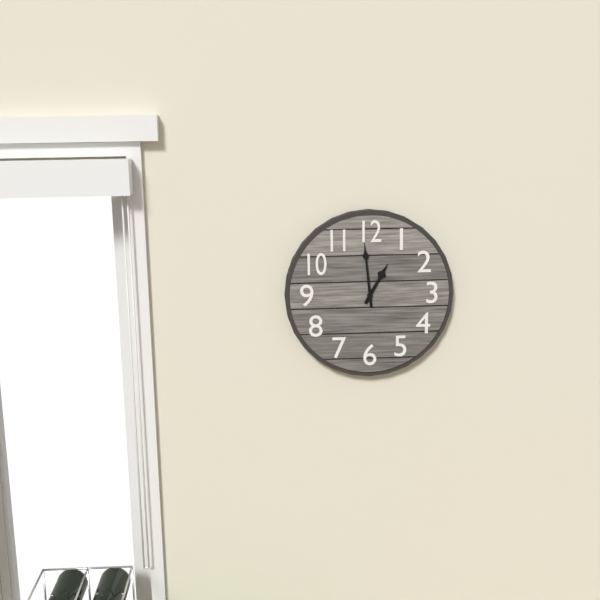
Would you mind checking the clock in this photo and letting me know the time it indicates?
12:59
